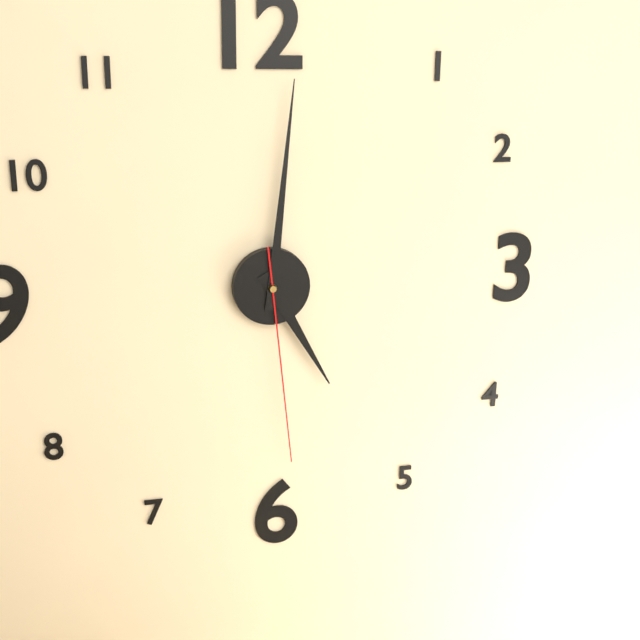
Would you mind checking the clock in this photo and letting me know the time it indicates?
5:01:29
